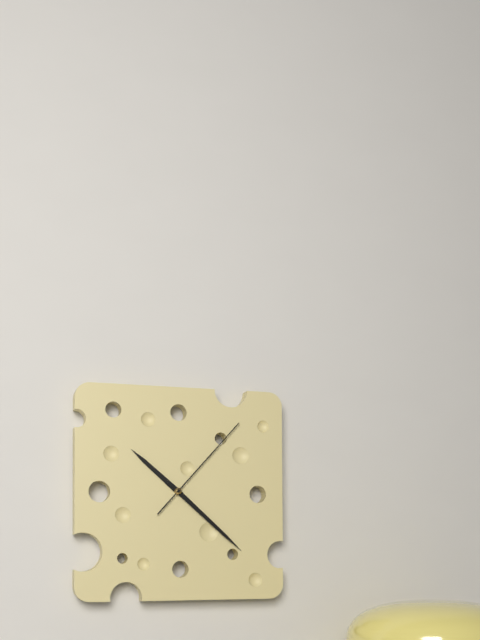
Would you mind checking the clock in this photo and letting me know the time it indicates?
10:22:07
